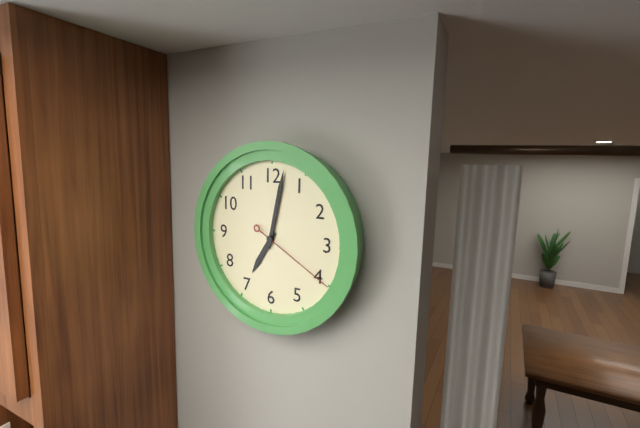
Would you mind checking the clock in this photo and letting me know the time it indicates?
7:02:20
